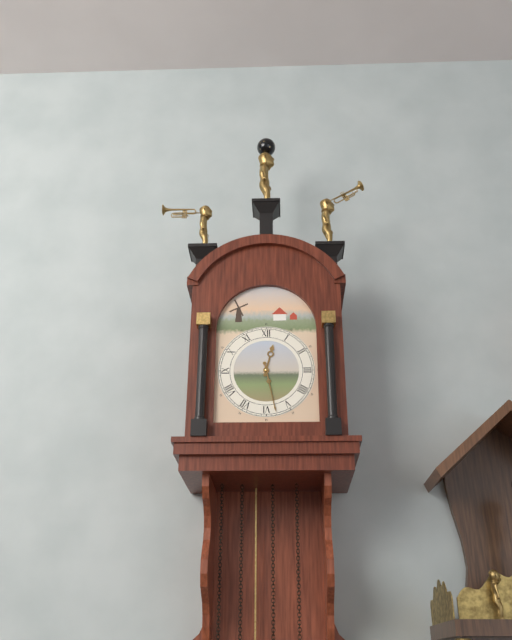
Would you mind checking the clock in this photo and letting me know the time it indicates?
12:28
